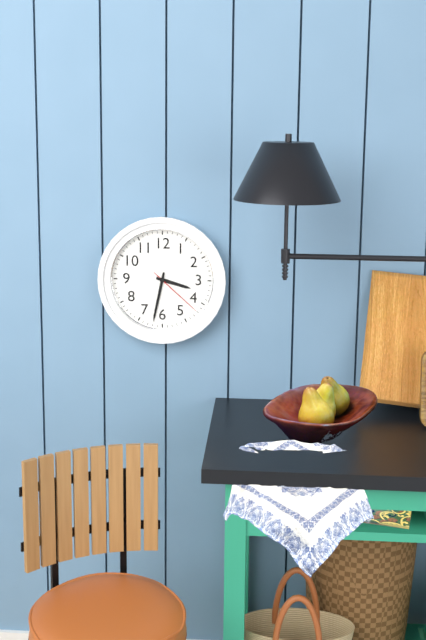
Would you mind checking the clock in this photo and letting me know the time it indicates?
3:32:22
